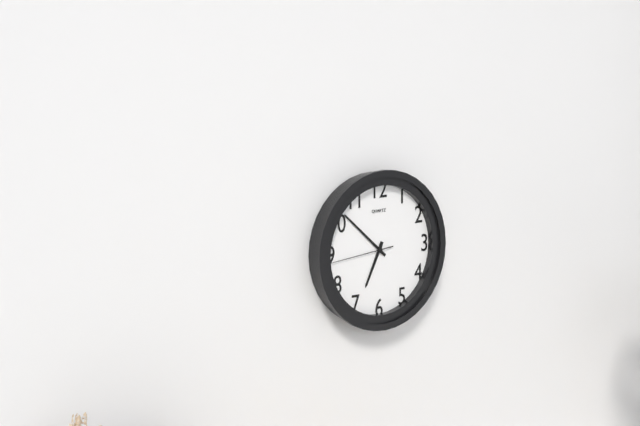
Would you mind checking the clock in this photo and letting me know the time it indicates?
6:52:44
